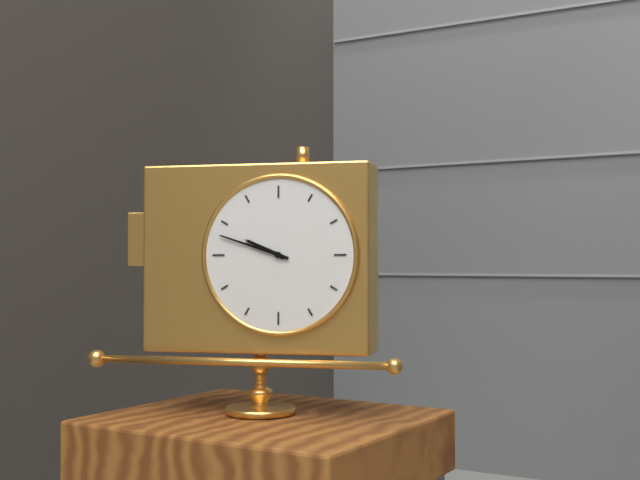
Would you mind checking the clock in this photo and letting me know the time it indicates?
9:48
